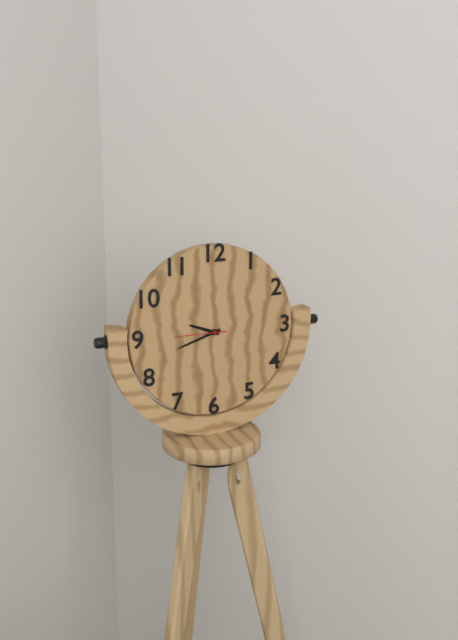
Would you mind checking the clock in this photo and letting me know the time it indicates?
9:42:45
